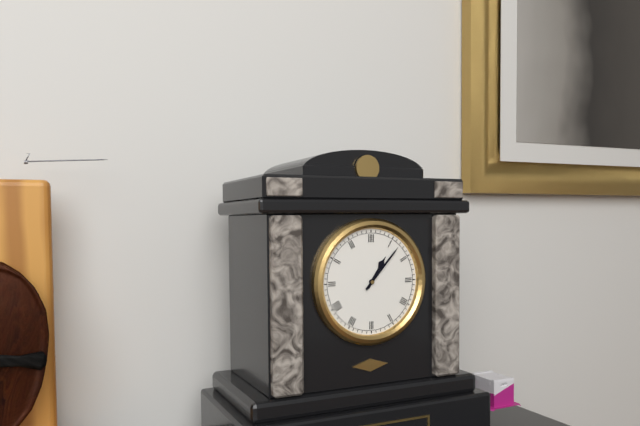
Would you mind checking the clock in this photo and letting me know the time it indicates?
1:07
